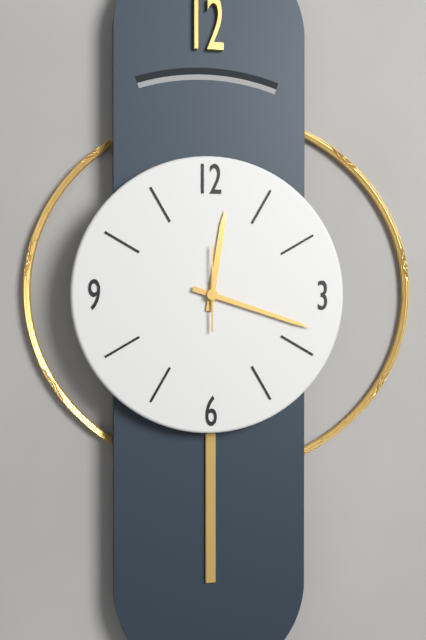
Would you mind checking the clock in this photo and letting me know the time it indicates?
12:18:00
